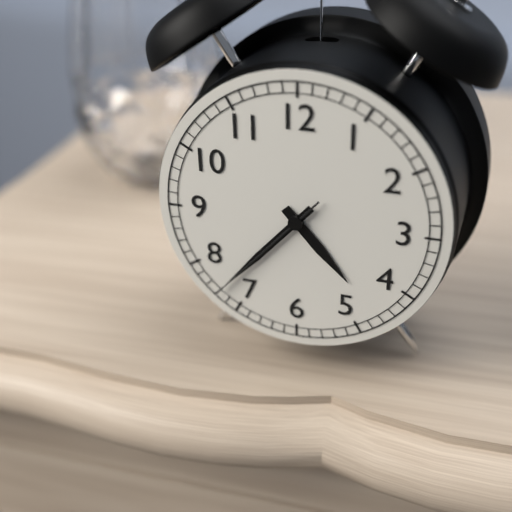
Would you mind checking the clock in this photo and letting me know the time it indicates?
4:37:37
